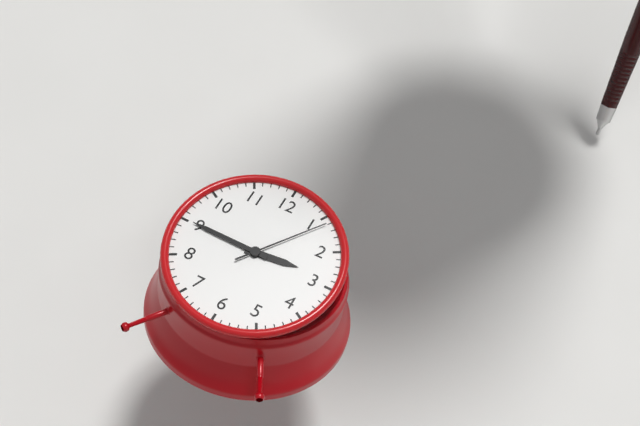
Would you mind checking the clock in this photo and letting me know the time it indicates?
2:45:06
